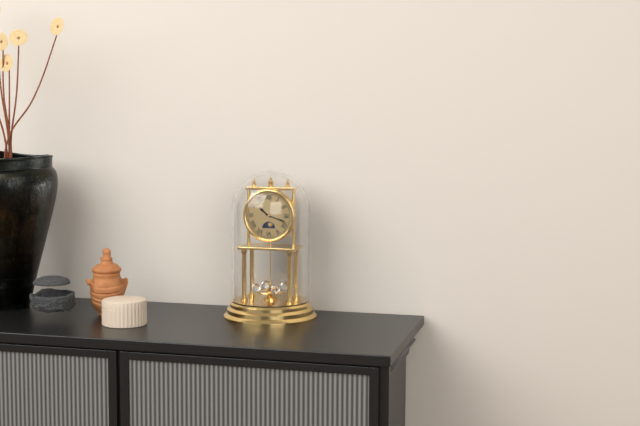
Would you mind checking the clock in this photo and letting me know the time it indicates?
10:18
